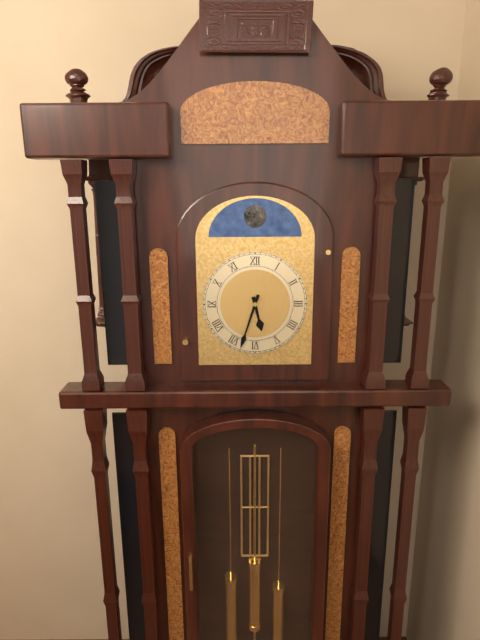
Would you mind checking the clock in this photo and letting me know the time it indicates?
5:33
